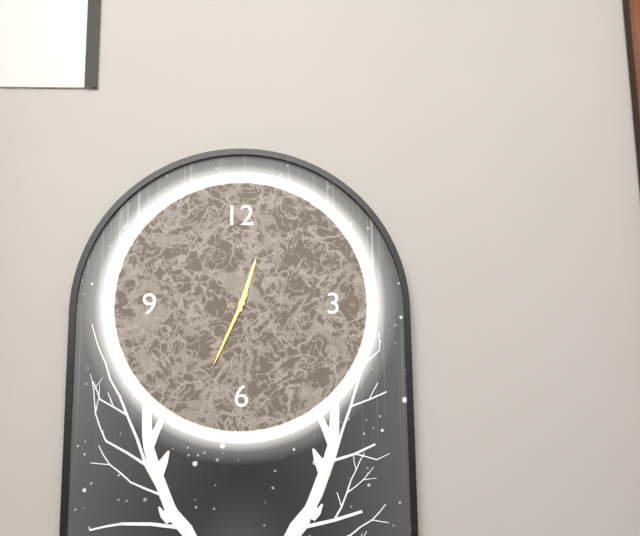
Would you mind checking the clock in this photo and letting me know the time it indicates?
12:34
